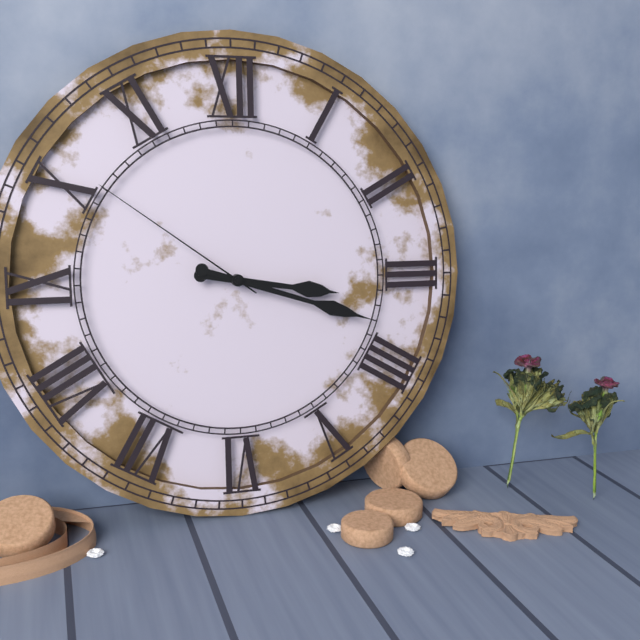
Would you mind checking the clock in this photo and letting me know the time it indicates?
3:18:51
